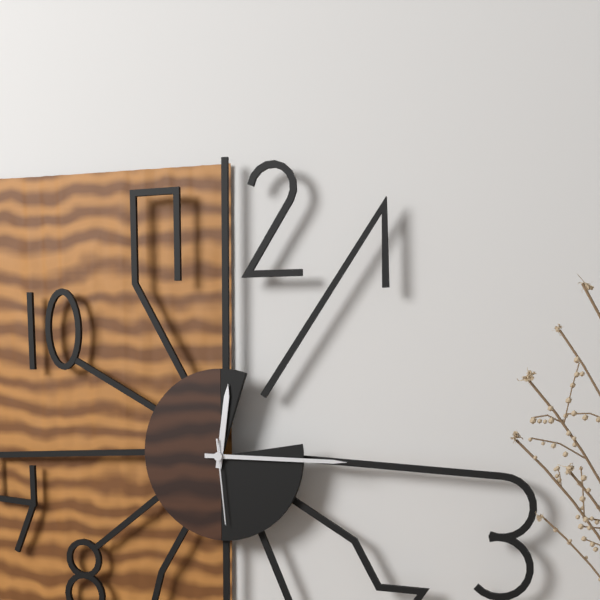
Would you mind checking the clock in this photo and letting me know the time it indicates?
12:15:29
